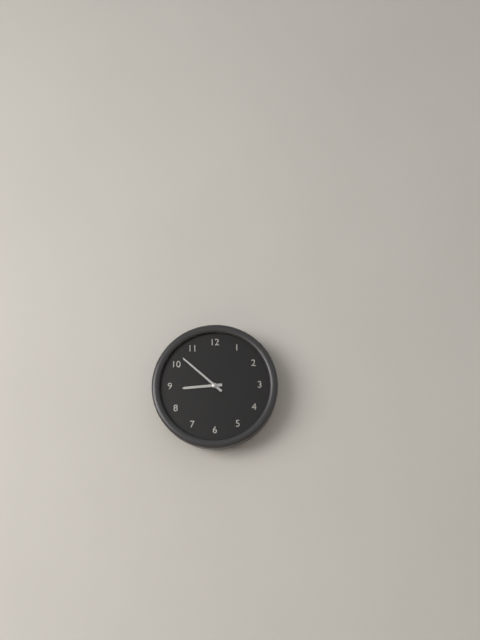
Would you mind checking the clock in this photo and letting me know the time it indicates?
8:52
